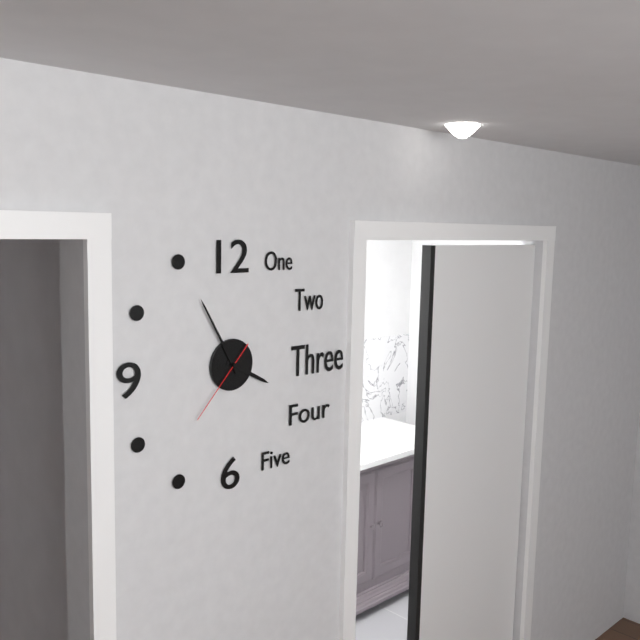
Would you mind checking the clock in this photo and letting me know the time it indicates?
3:55:37
